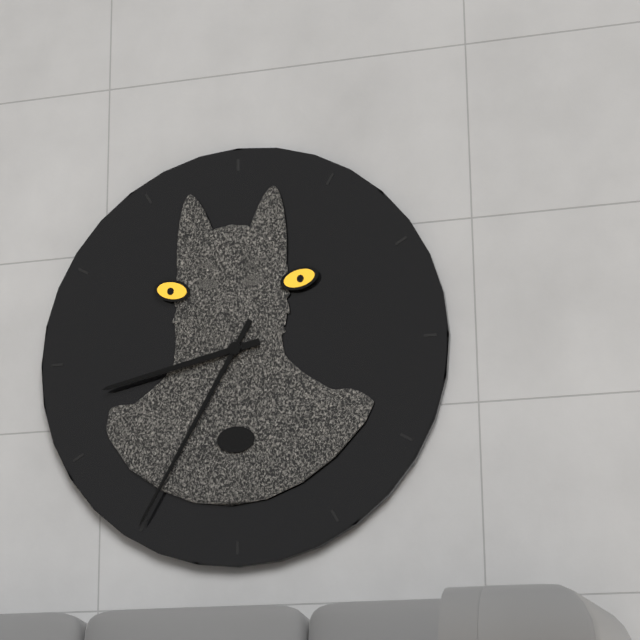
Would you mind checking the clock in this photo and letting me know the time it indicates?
8:35
